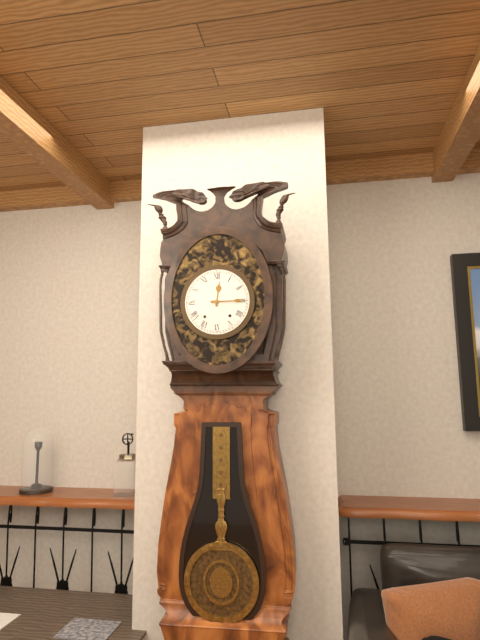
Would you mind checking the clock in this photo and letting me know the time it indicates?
12:15
